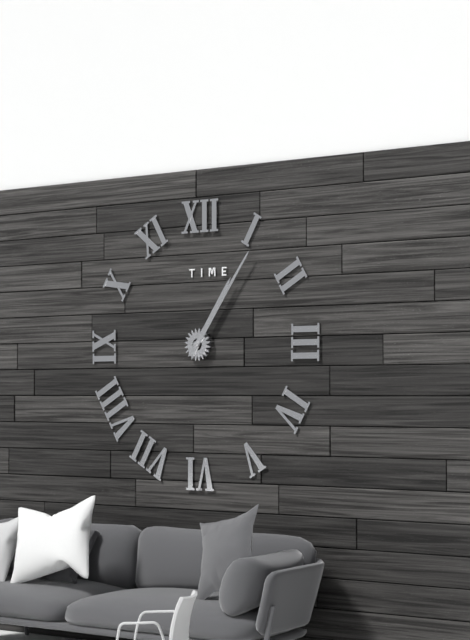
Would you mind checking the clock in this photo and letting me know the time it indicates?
1:06
